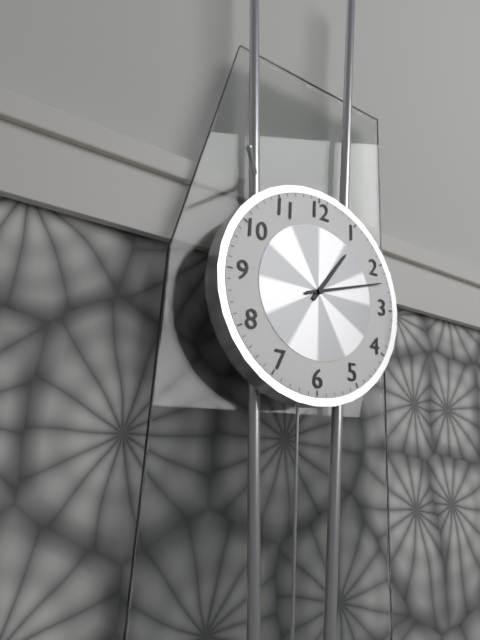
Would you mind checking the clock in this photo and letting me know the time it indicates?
1:12
